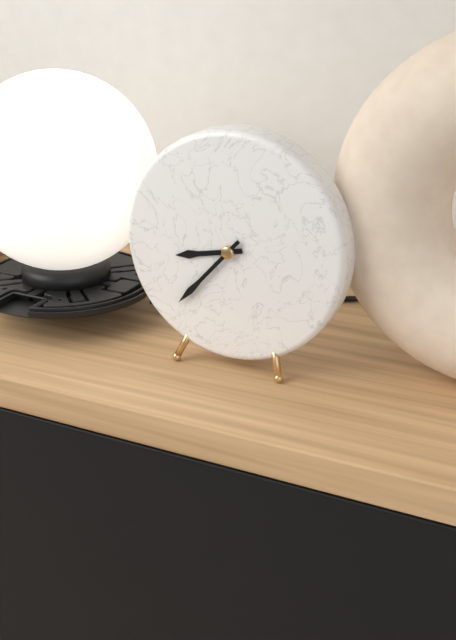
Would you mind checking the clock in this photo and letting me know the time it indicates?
8:37
